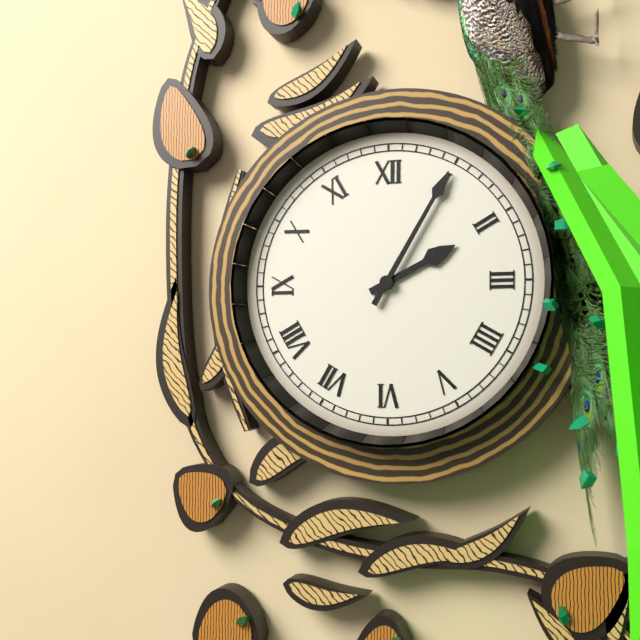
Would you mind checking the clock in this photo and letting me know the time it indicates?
2:05
